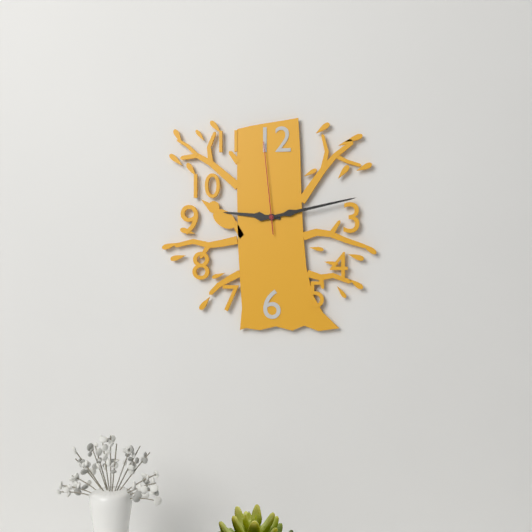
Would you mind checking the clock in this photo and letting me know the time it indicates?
9:13:59
